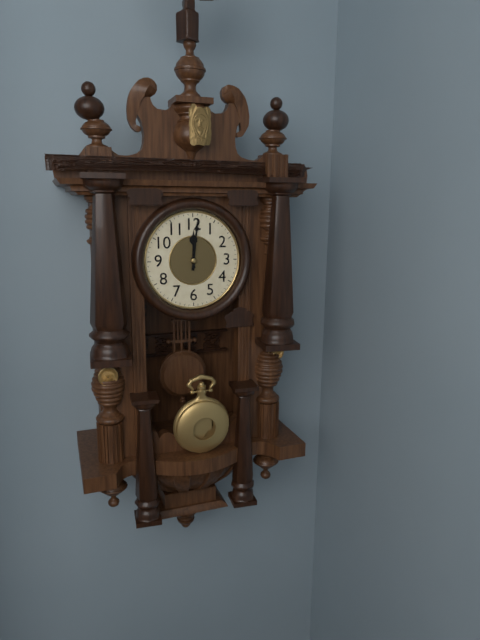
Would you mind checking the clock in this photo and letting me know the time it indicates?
12:01
